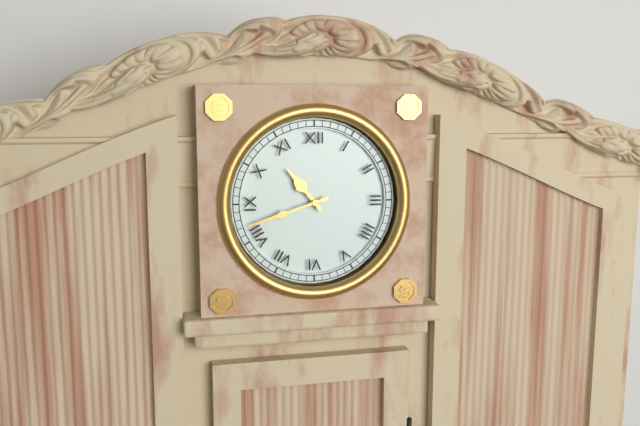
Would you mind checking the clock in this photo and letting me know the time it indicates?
10:42
